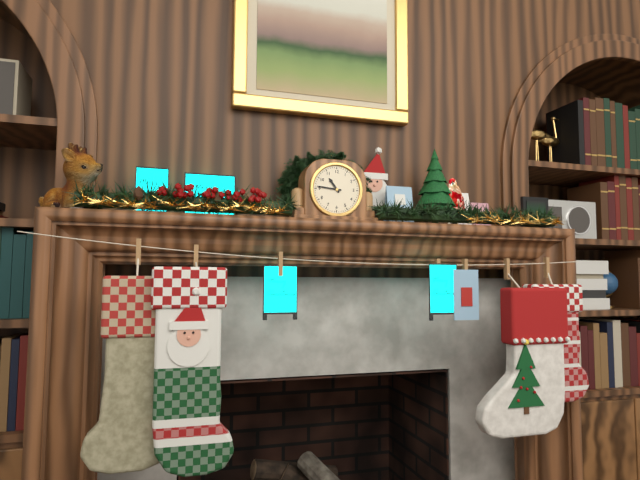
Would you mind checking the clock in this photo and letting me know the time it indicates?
10:46
